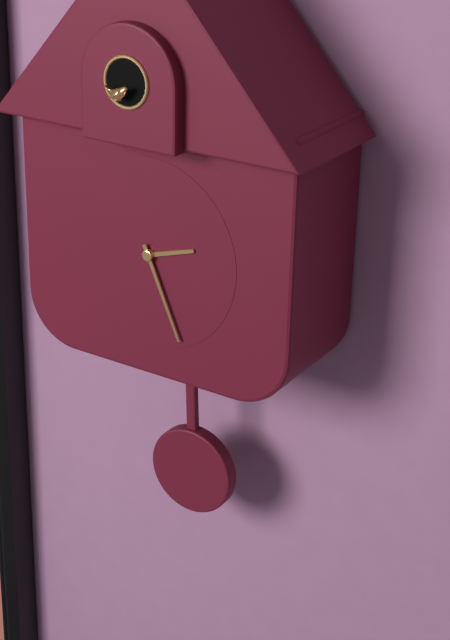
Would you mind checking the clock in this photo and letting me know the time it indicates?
2:26
